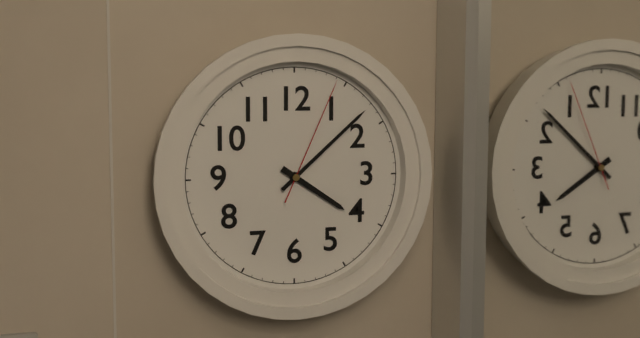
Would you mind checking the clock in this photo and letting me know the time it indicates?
4:08:04
